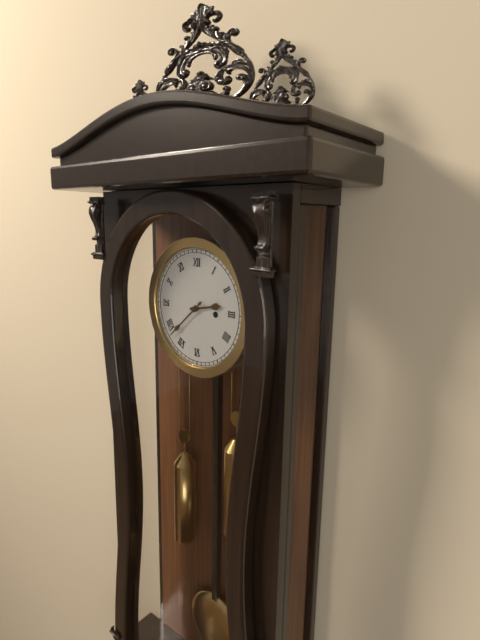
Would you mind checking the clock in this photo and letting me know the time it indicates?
2:38
